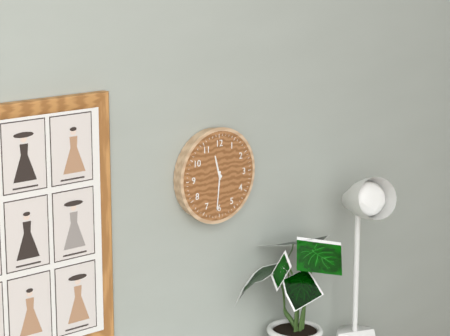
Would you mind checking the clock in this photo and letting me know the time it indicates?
11:31
